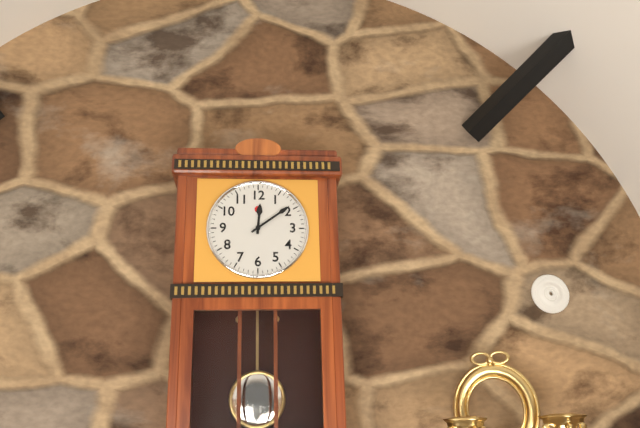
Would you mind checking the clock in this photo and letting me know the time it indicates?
12:09
